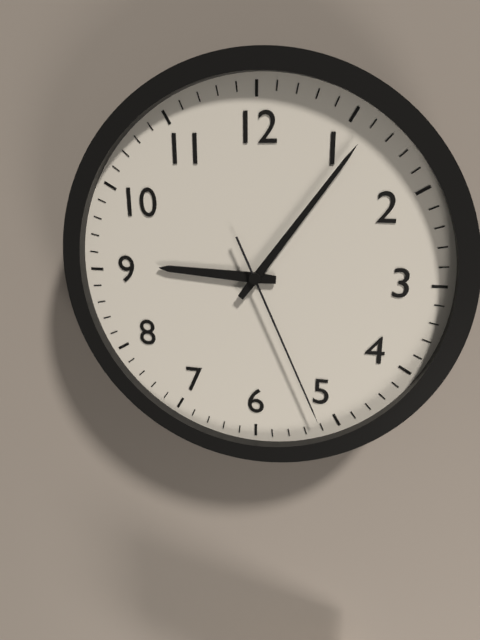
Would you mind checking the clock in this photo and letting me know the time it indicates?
9:06:26
